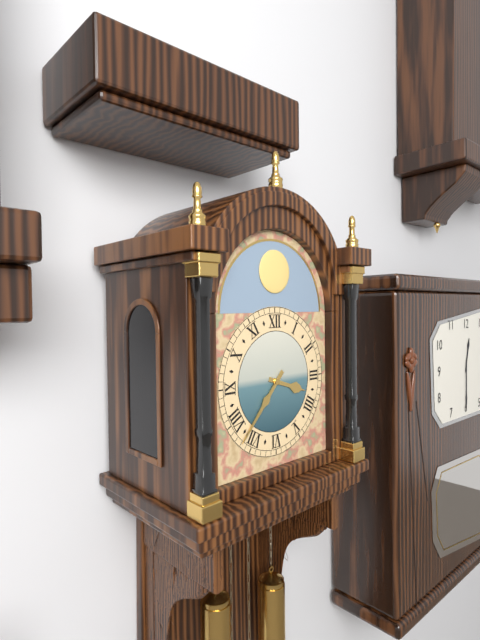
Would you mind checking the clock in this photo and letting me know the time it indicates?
3:37
